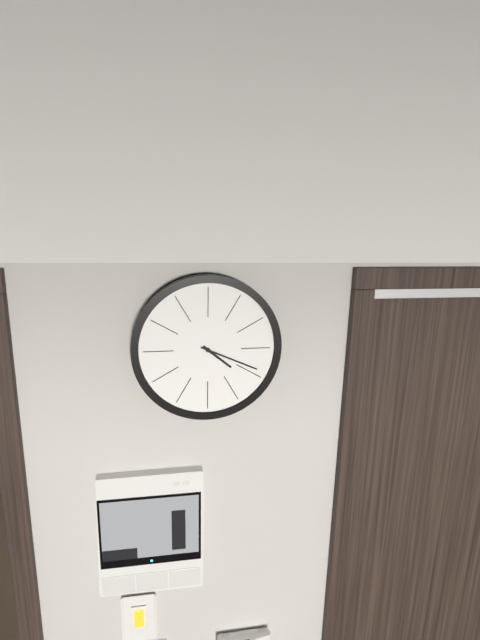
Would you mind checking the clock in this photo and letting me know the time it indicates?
4:19
